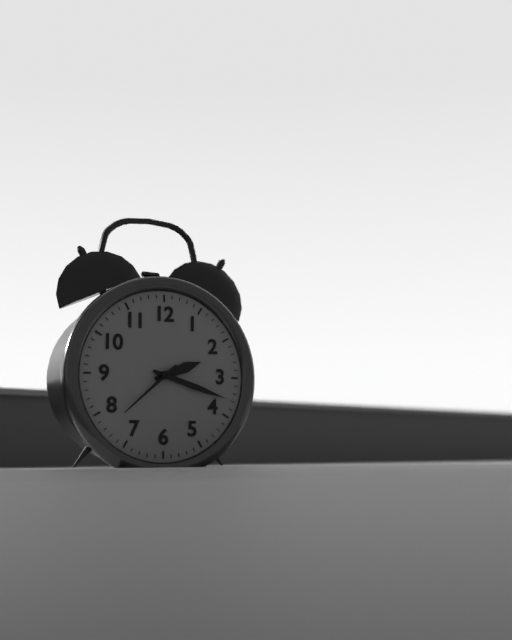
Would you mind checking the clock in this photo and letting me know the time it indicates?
2:18:38
